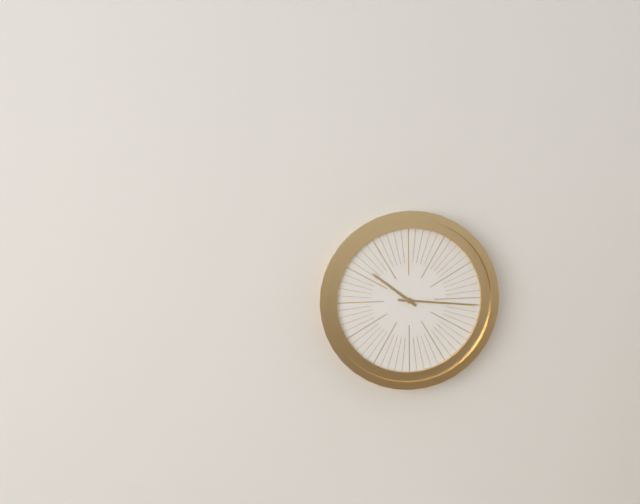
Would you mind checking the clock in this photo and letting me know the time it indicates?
10:16
